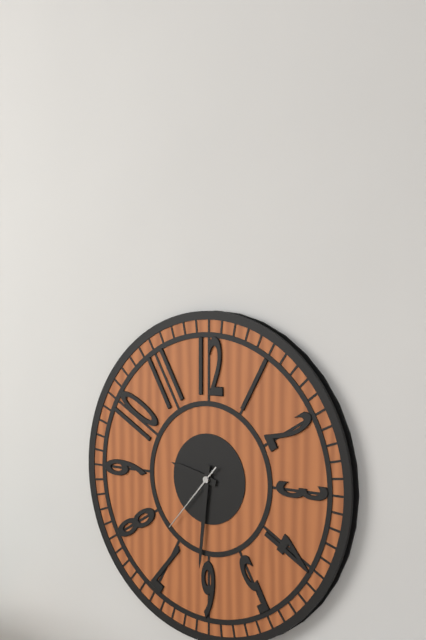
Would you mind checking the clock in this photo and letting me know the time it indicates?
9:31:37
